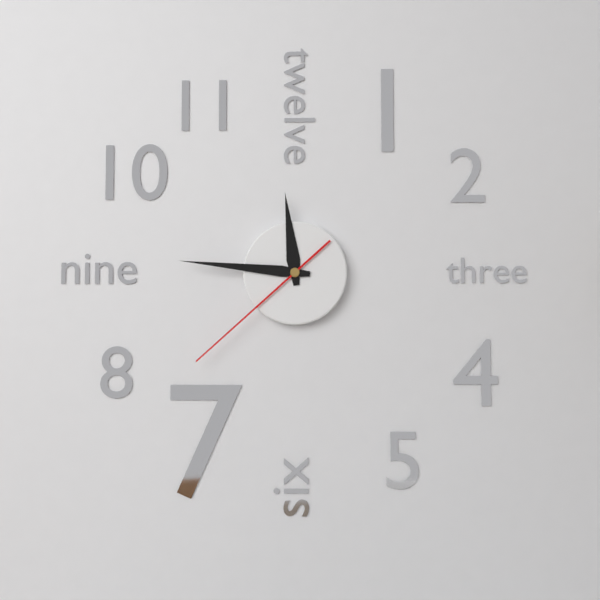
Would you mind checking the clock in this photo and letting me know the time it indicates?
11:46:38
